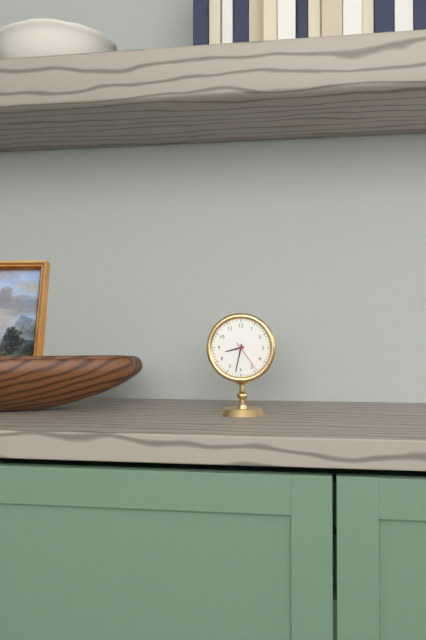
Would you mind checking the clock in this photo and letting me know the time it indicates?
8:32
